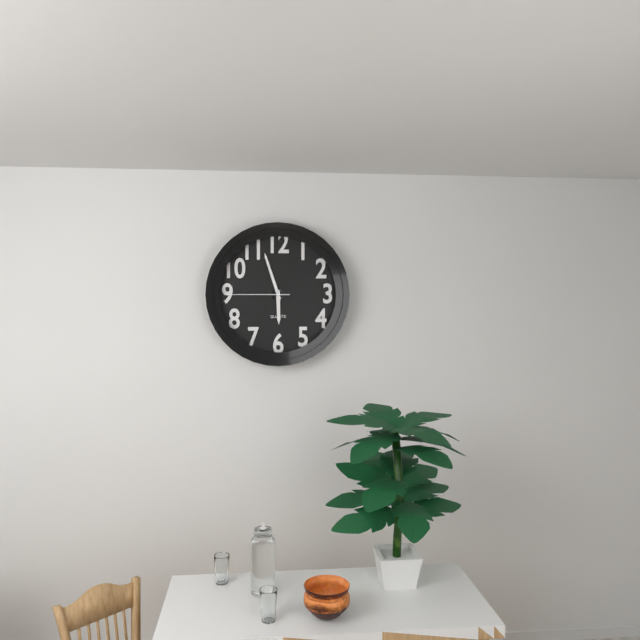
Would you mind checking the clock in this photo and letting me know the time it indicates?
5:57:45
